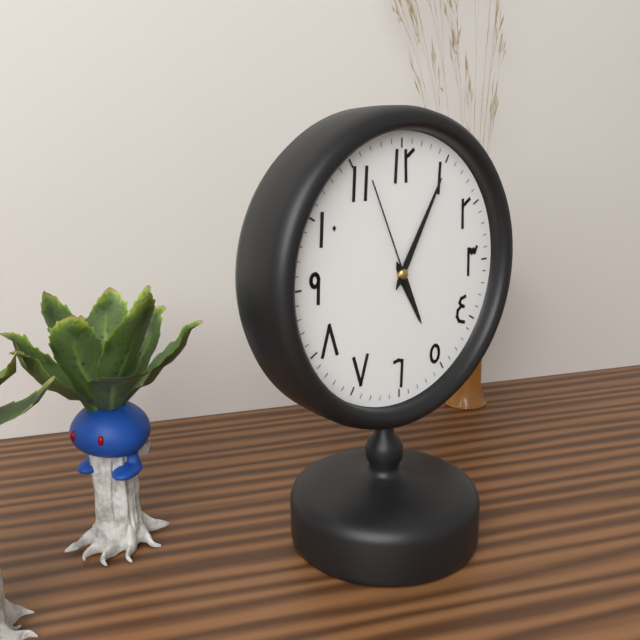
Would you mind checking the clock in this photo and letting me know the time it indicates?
5:05:56
